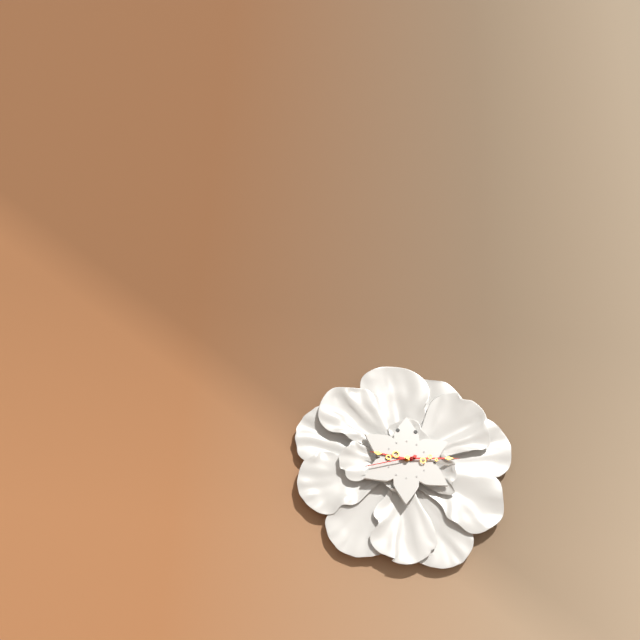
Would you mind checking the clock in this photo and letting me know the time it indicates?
9:14:42
